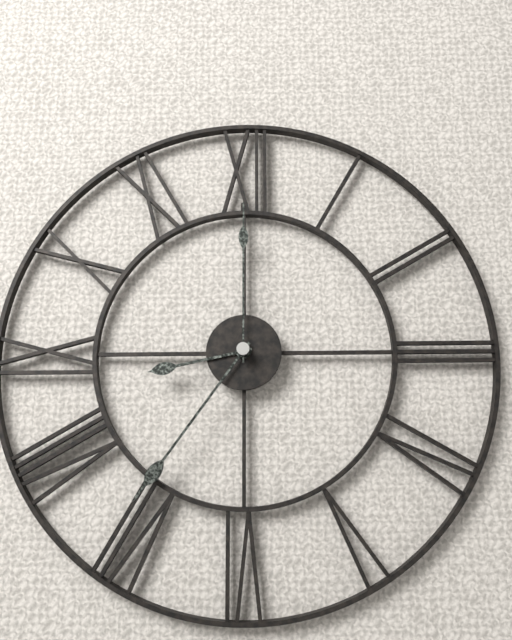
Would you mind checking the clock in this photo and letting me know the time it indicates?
8:36:00
